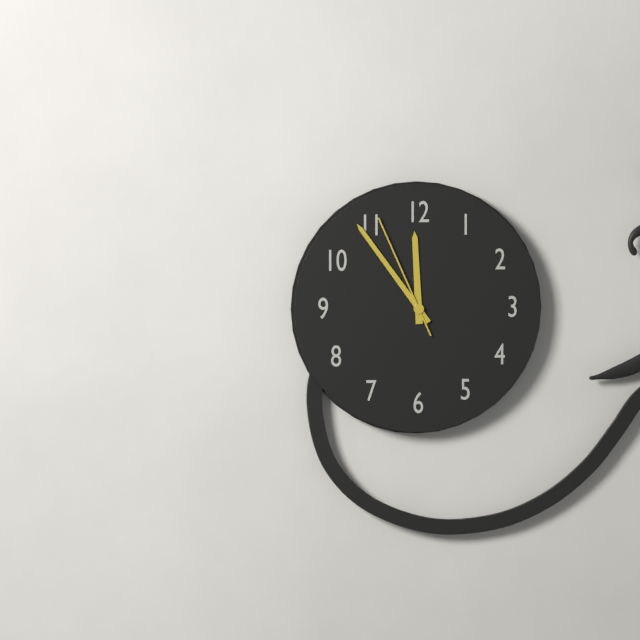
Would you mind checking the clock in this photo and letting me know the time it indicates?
11:54:56
